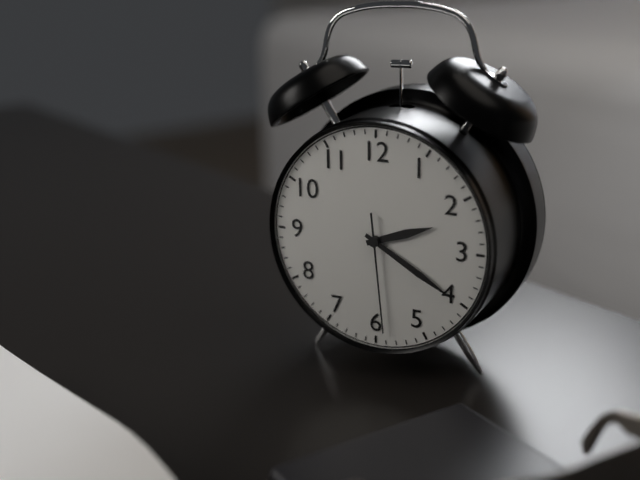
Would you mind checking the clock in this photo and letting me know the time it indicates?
2:20:29
